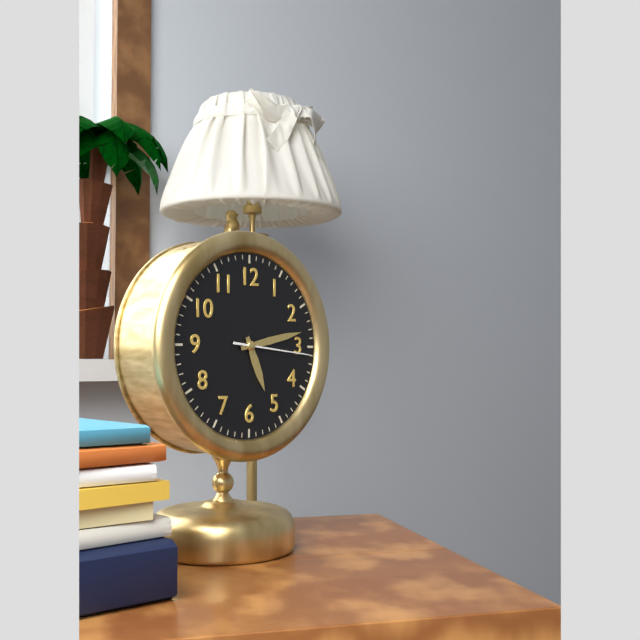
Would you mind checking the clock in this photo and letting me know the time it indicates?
5:13:16
